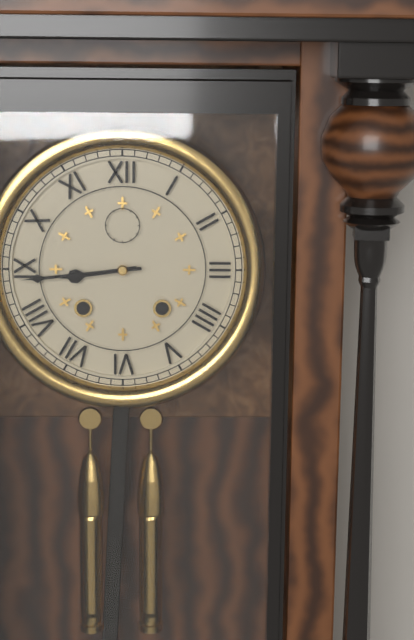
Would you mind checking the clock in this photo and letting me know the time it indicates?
8:44
